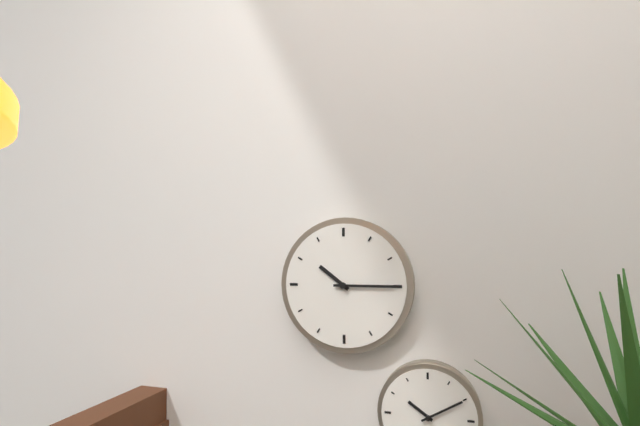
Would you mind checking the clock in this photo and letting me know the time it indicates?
10:15
